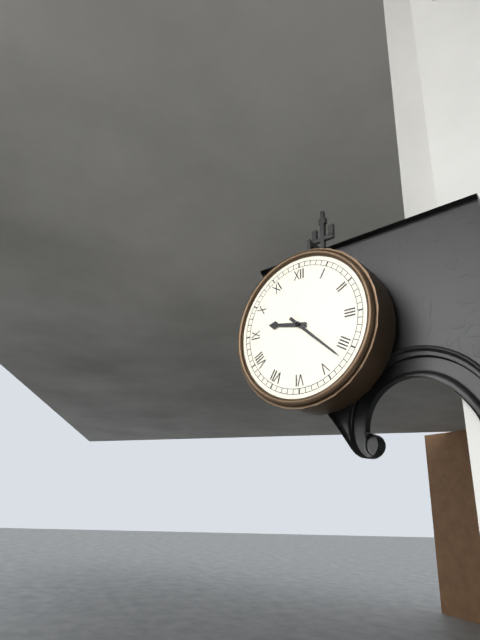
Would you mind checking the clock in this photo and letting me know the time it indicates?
9:22
